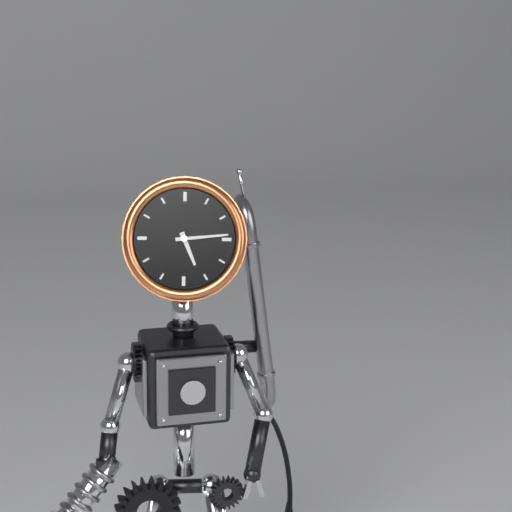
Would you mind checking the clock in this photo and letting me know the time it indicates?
5:14
